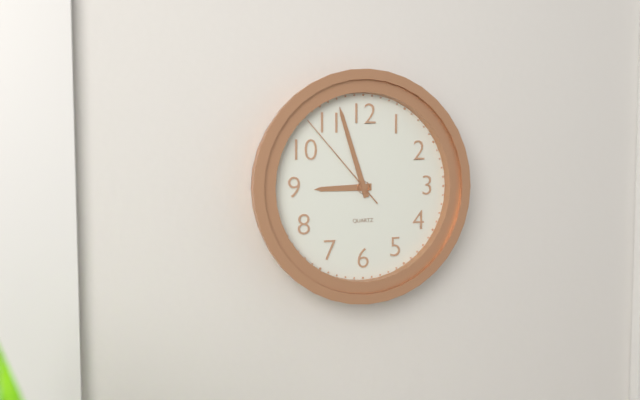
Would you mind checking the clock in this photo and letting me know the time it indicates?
8:57:53
